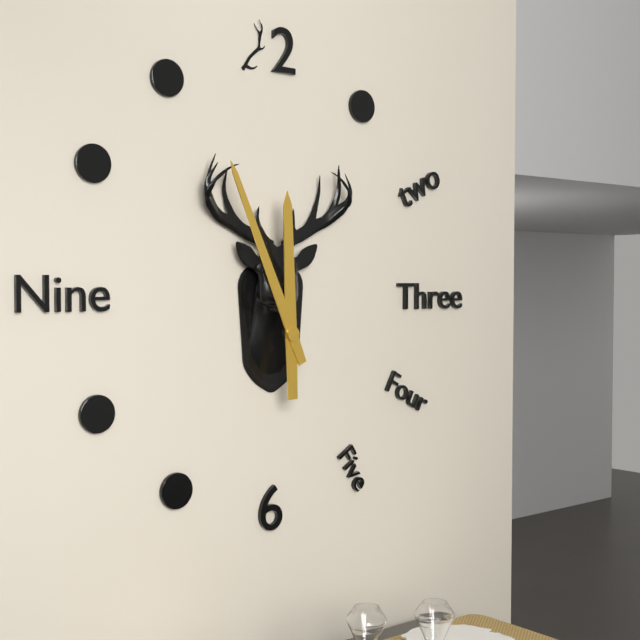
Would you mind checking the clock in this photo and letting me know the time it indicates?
11:56
